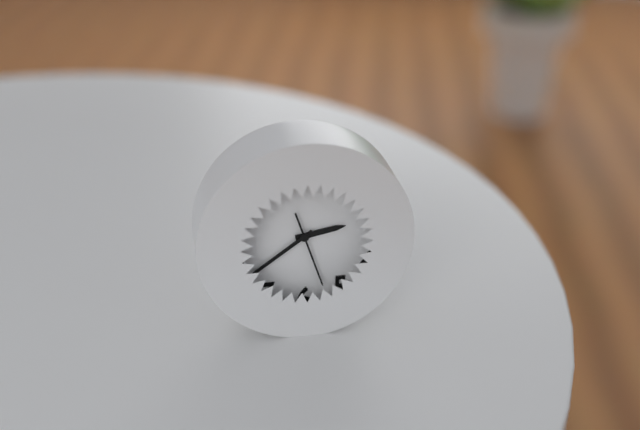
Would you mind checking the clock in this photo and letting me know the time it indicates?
2:39:27
